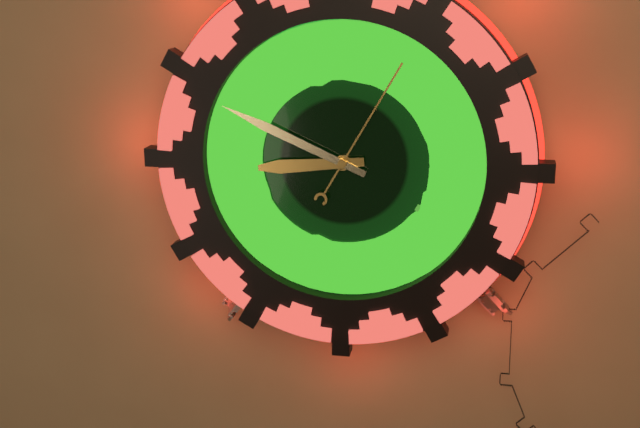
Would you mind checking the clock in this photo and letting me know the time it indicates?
8:49:05
